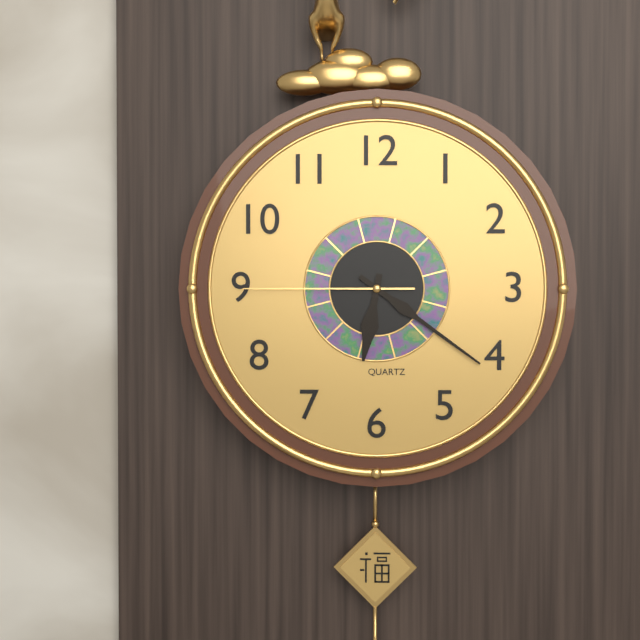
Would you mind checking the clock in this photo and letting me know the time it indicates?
6:21:45
